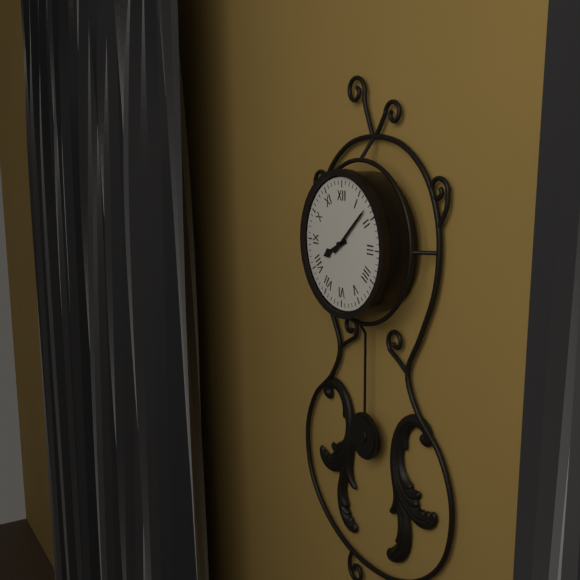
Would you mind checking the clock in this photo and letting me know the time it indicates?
8:08
